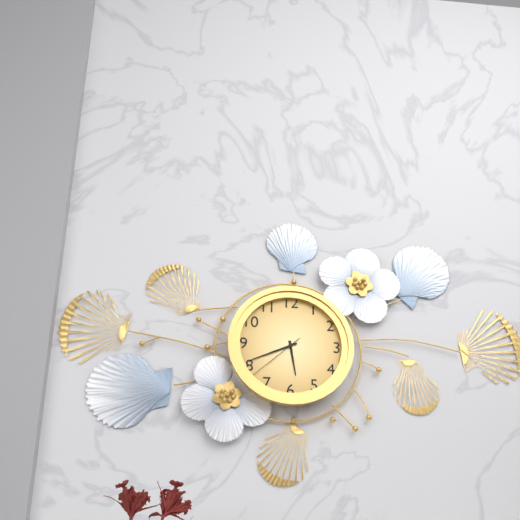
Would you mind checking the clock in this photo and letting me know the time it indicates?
5:41:38
